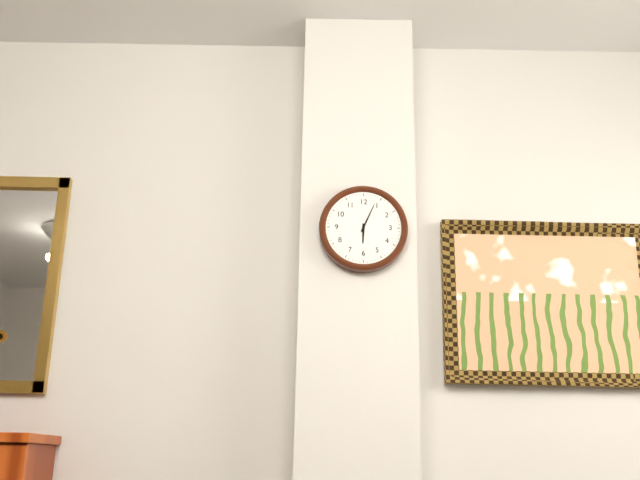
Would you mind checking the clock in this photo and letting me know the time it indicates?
6:04
